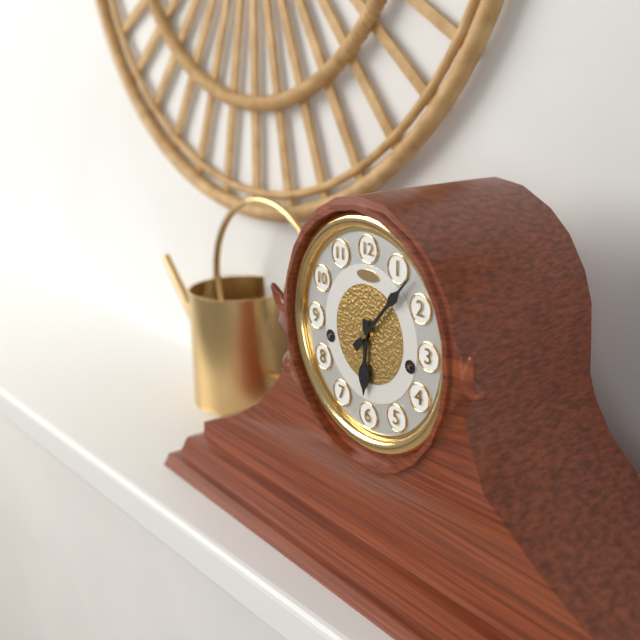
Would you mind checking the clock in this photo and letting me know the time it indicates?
6:07
